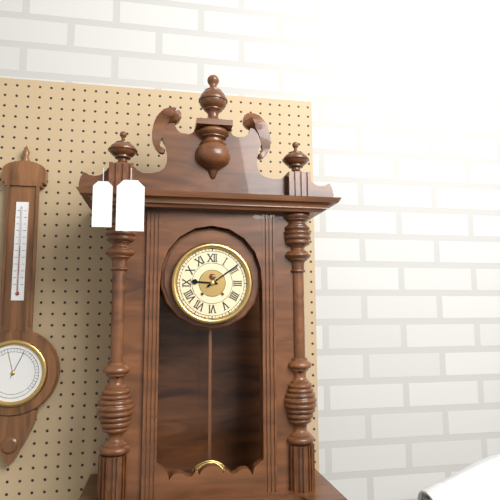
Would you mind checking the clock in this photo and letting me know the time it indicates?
9:09
